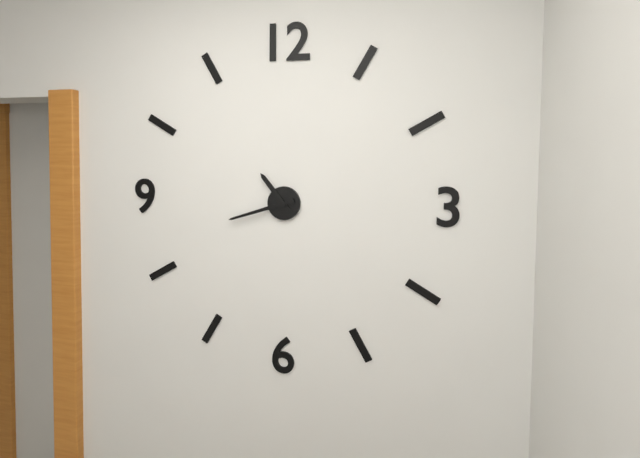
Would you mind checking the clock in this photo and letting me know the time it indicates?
10:42
